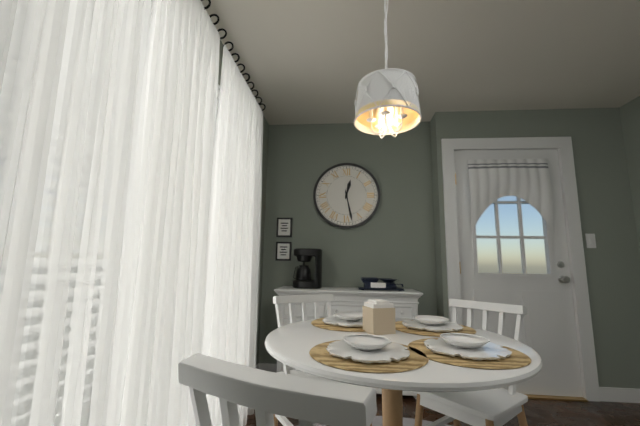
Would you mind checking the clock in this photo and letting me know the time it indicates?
12:28
